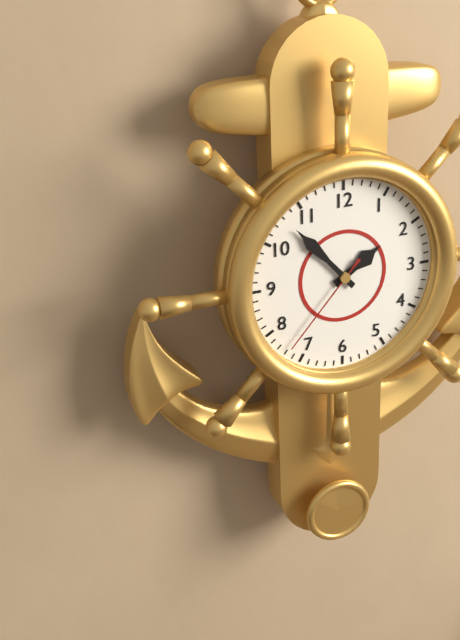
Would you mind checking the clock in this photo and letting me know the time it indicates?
1:53:37
